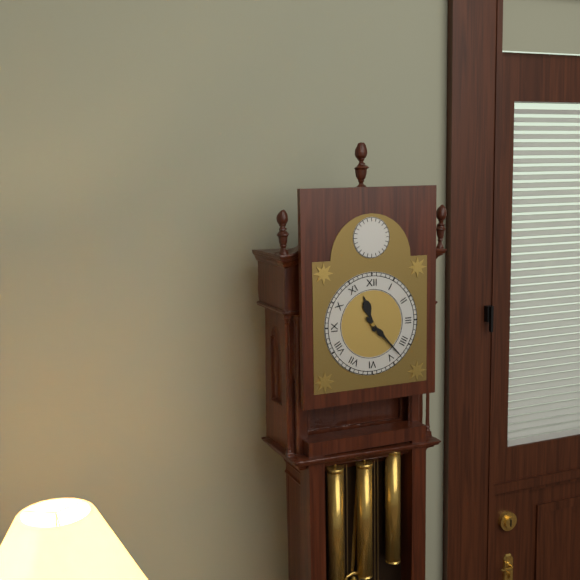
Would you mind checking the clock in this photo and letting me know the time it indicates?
11:23
